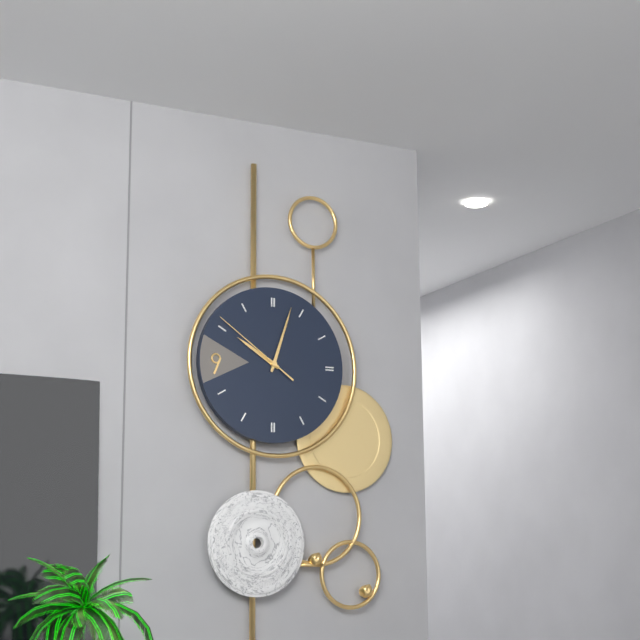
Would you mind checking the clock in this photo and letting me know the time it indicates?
10:03:51
